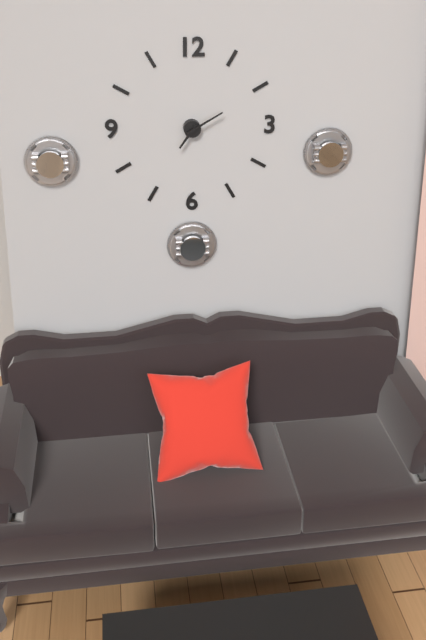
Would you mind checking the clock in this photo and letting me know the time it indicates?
7:10
